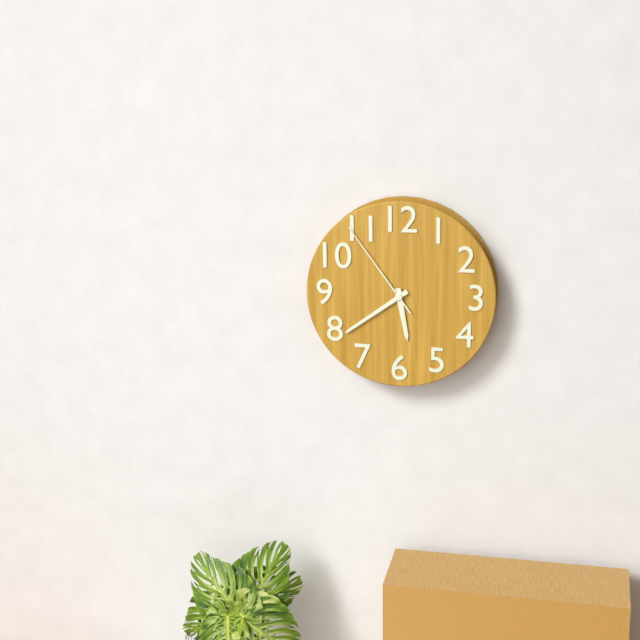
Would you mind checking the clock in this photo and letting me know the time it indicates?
5:39:54
